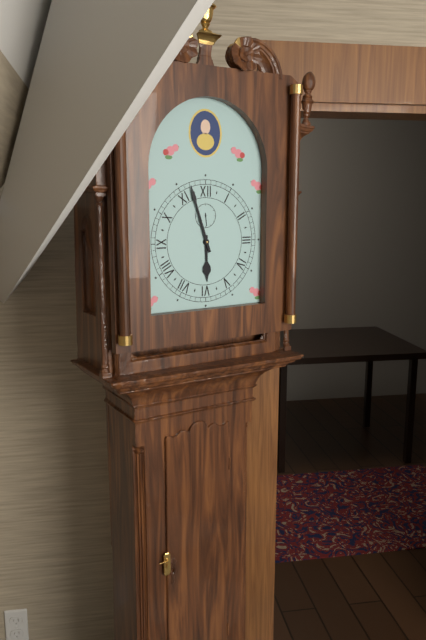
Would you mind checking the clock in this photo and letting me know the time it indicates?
5:57
